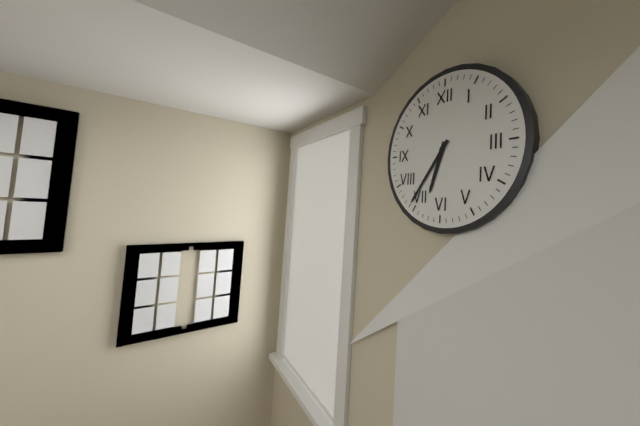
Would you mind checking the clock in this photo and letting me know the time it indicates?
6:36
